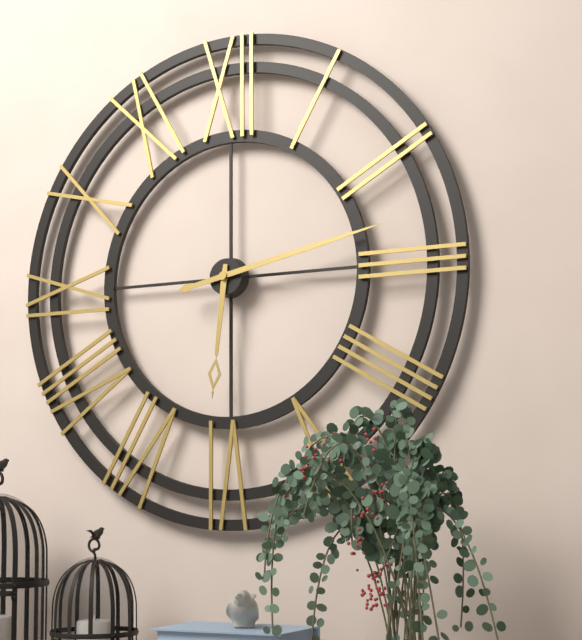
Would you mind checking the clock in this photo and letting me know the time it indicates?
6:13
